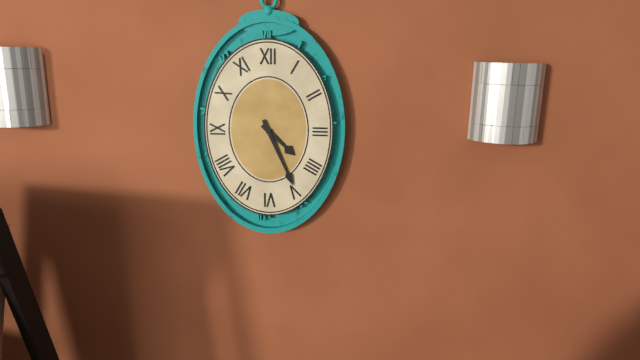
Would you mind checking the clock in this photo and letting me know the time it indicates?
4:26
